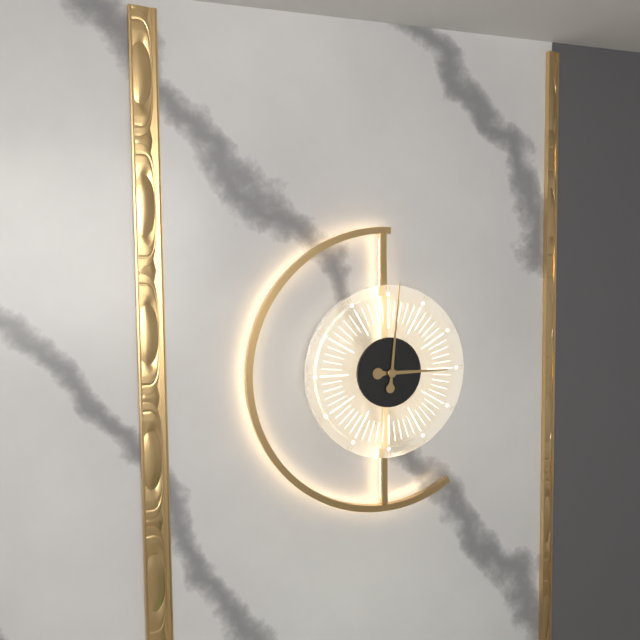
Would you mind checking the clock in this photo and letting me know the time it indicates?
3:01
